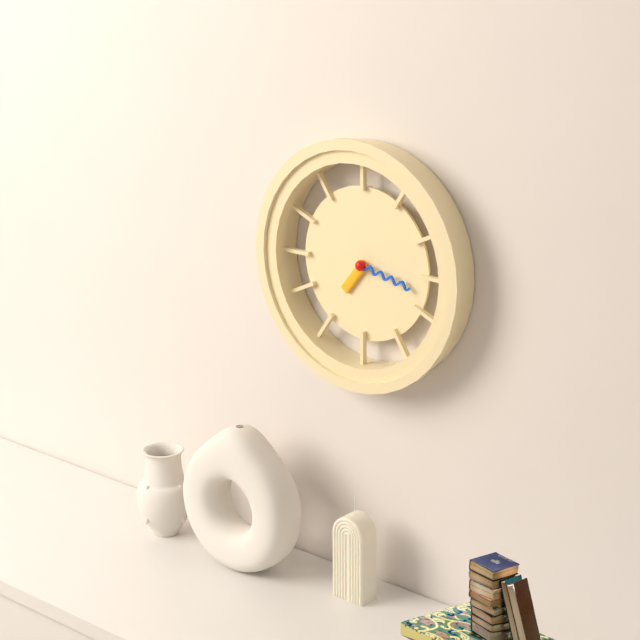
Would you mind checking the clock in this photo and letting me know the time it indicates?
7:17
